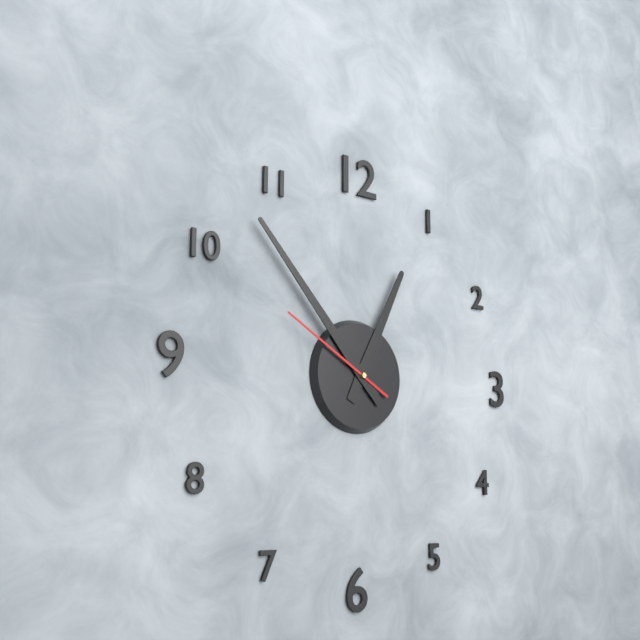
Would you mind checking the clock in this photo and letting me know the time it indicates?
12:53:50
